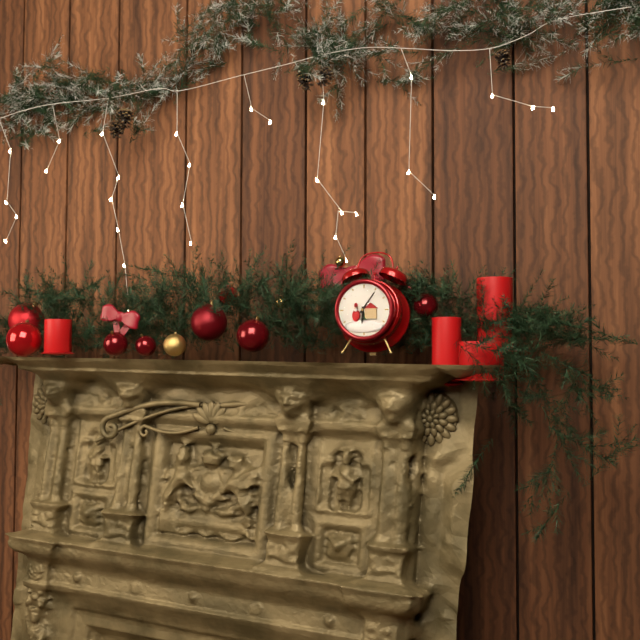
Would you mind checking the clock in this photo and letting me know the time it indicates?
6:06
